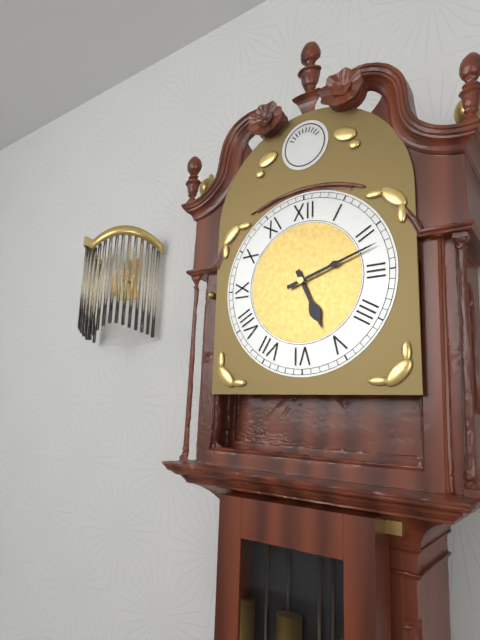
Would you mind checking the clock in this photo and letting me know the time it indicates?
5:12
